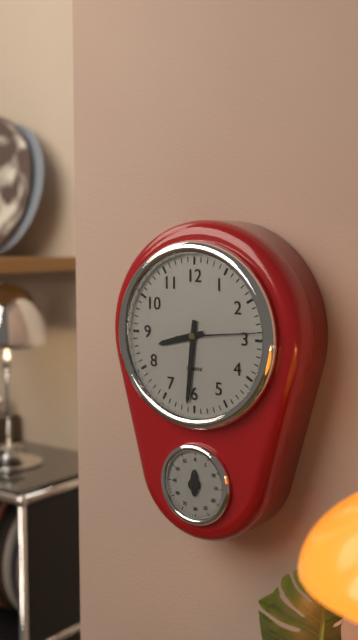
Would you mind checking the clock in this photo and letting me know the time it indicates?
8:31:14
